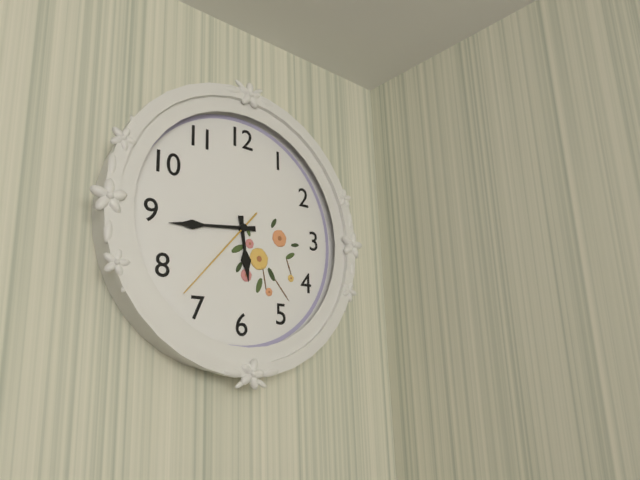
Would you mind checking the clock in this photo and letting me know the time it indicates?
5:44:37
